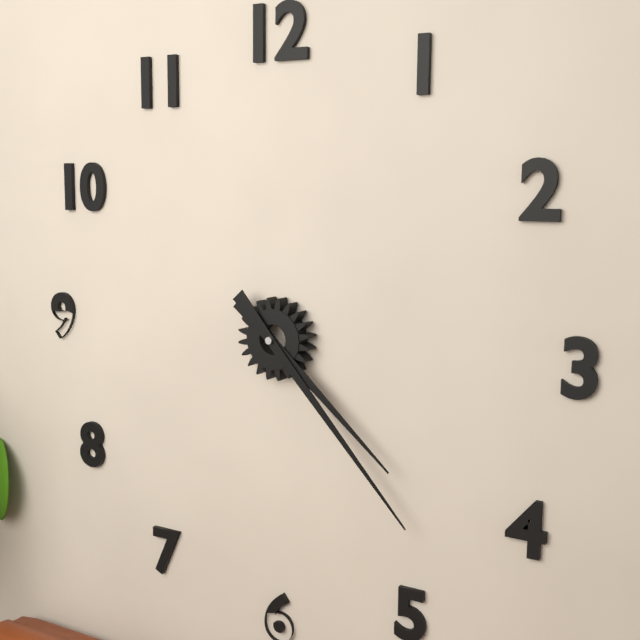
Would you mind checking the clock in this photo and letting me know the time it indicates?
4:23
